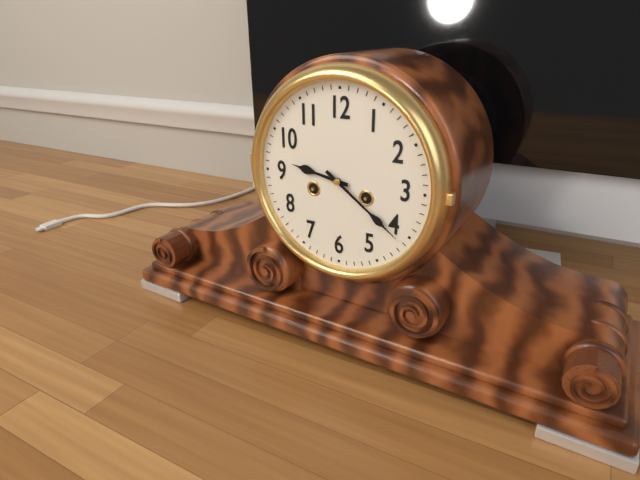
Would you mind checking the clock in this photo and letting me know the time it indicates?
9:21
